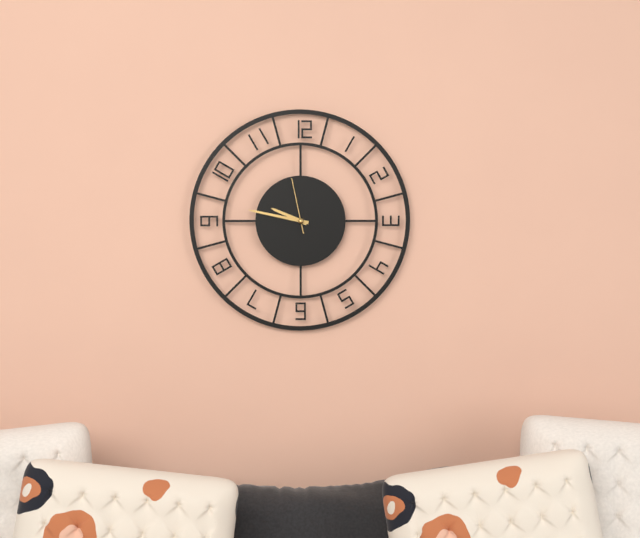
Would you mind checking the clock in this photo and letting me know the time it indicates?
9:47:58
